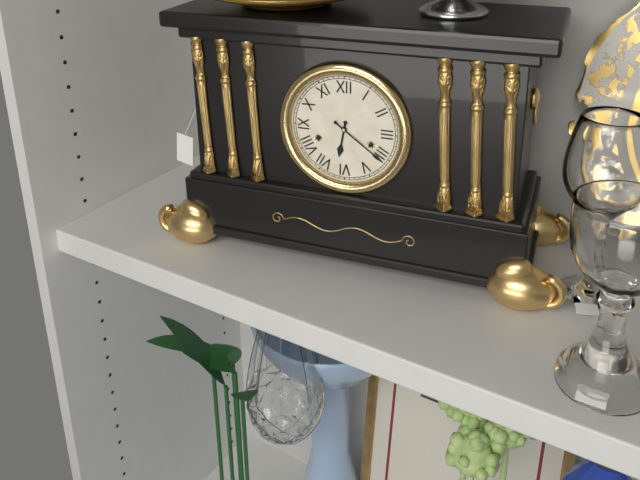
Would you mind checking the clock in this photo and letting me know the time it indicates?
6:21
